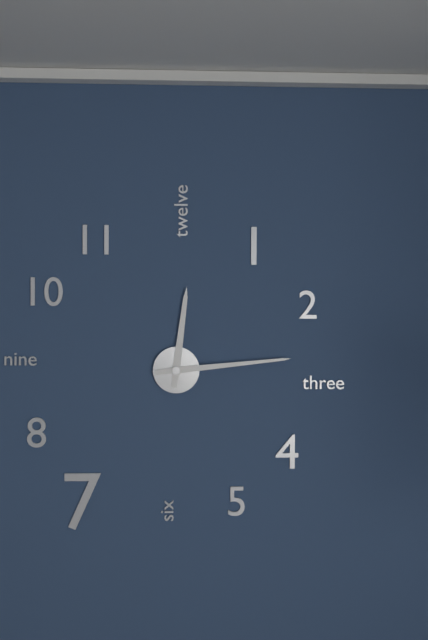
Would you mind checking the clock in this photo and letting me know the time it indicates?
12:14
